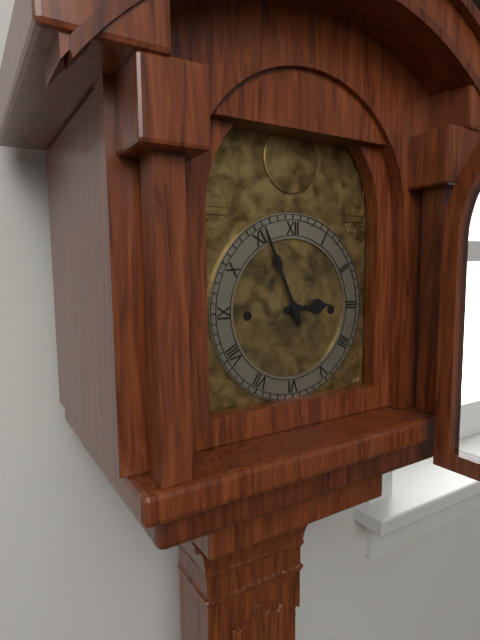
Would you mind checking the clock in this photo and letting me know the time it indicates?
2:56
